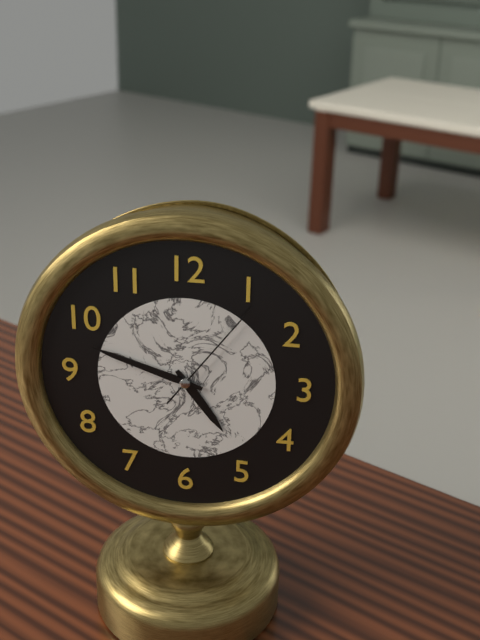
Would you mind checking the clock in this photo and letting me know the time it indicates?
4:48:06
